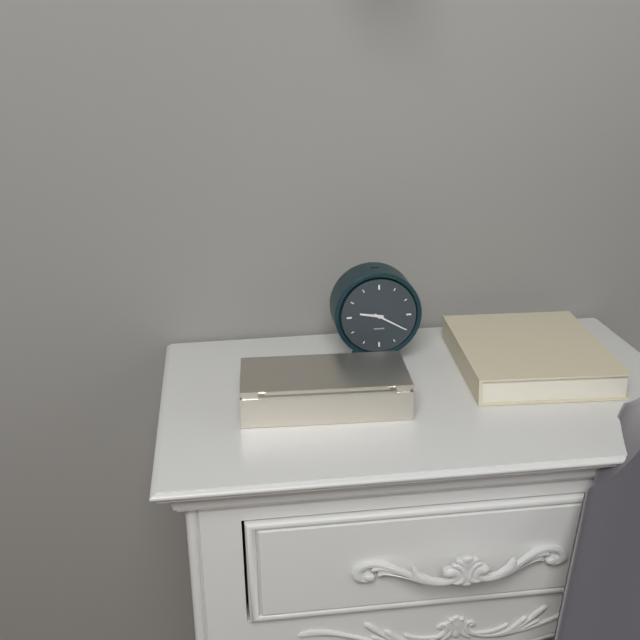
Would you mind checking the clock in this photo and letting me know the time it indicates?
9:20
